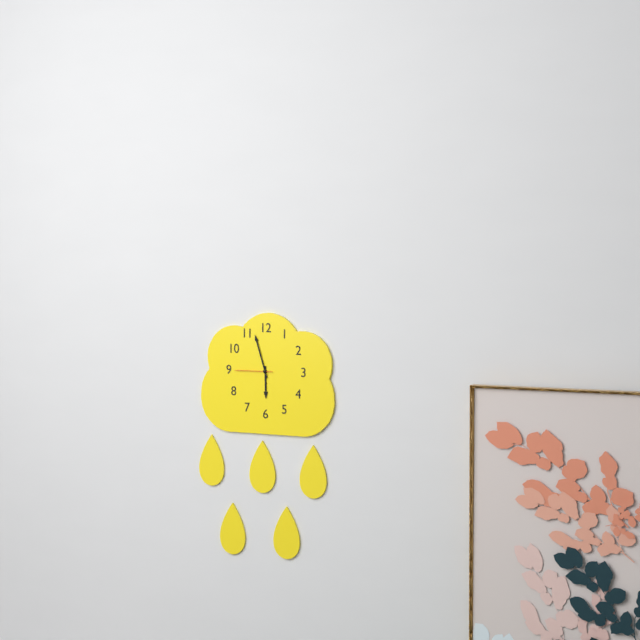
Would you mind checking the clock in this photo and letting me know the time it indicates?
5:57
